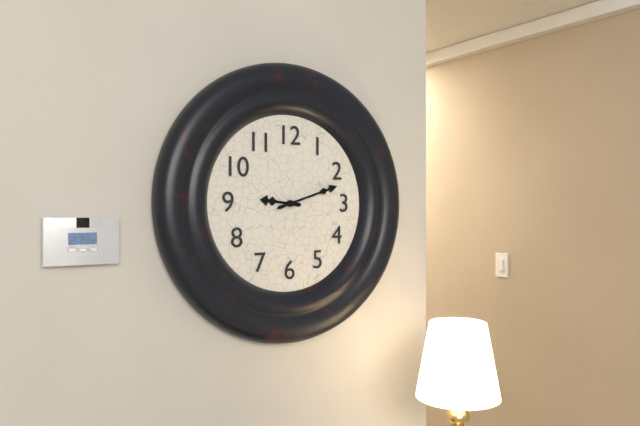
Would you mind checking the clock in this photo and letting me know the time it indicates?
9:12
